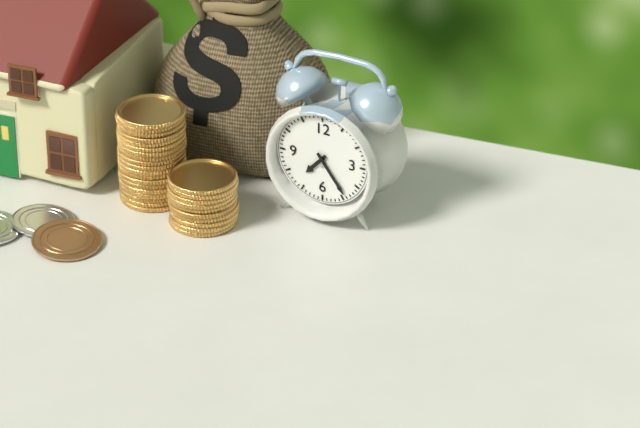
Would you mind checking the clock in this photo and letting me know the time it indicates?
7:24
